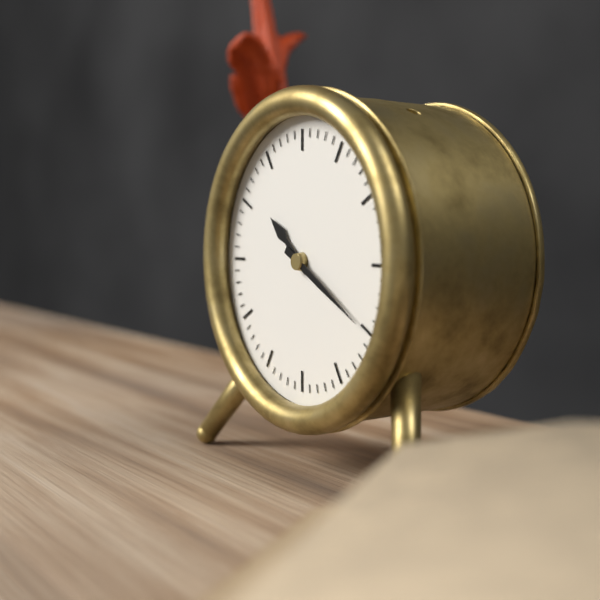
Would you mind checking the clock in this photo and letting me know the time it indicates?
10:20
